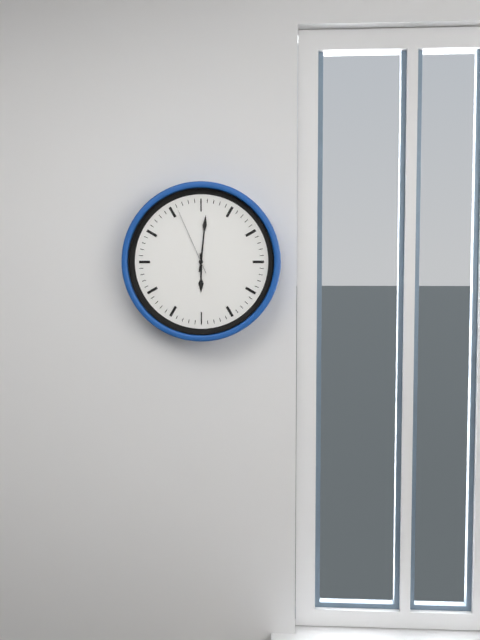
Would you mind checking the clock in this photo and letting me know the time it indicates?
6:01:56
